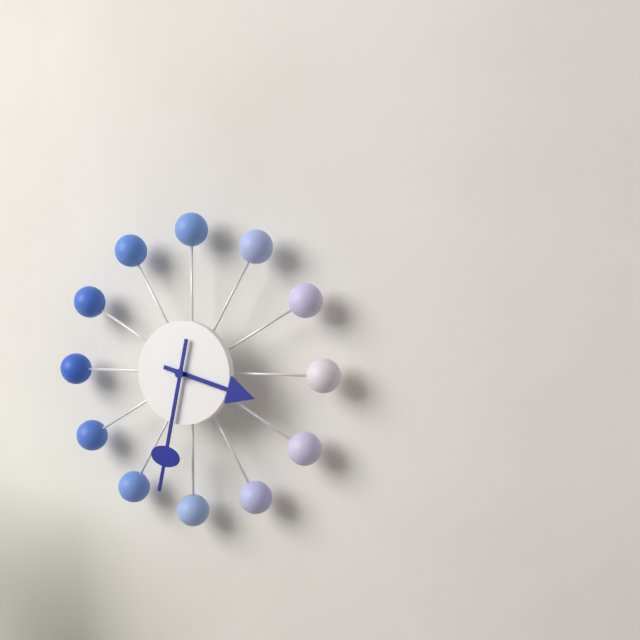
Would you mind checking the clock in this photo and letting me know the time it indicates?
3:32
